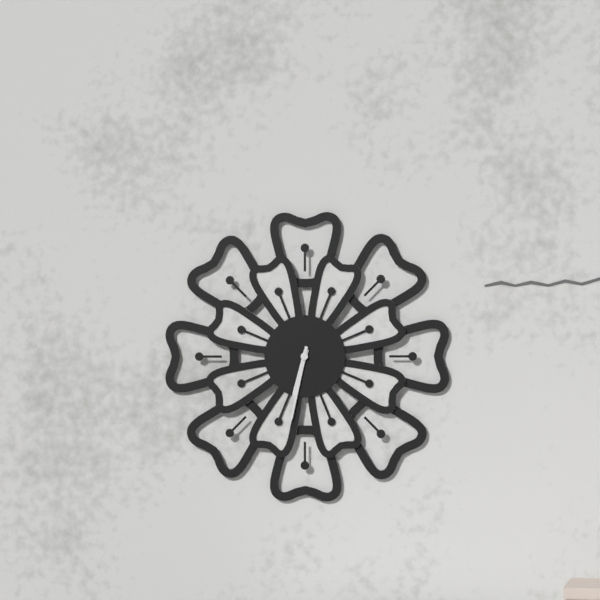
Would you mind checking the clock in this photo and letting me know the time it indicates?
6:32
